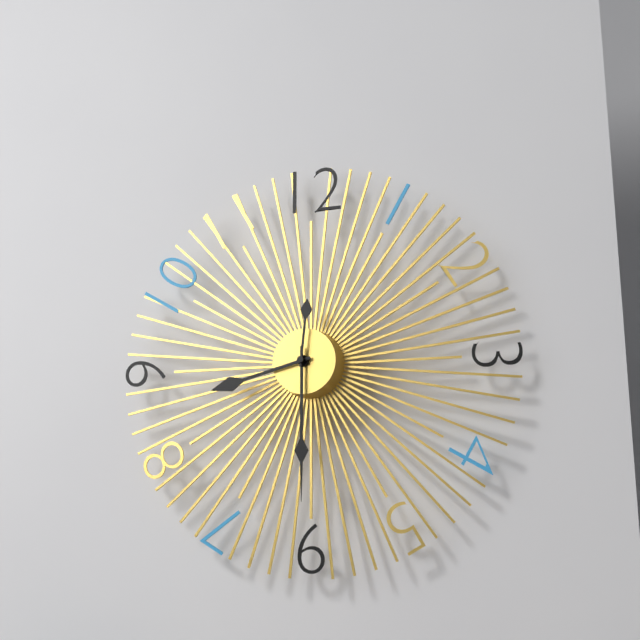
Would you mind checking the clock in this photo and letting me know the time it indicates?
8:30:01
